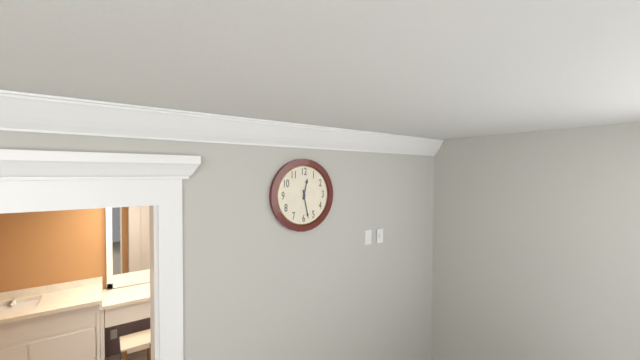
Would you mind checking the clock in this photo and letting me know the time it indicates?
12:28
